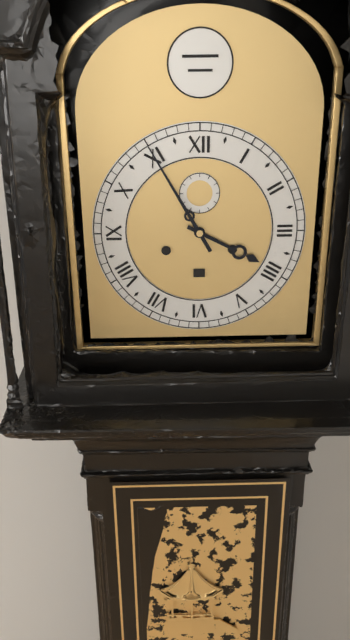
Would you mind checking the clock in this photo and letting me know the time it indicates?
3:55
